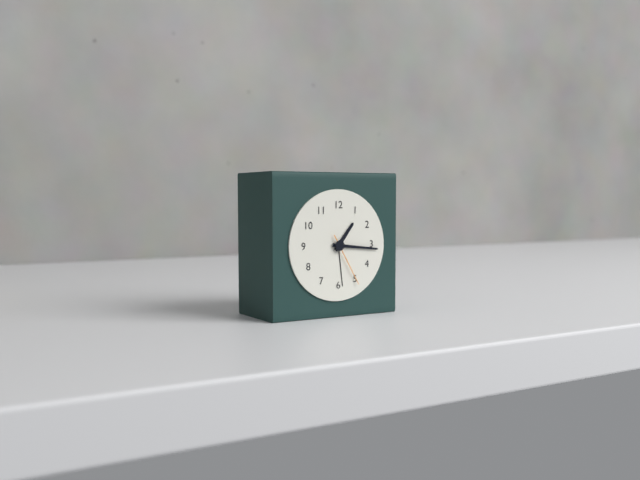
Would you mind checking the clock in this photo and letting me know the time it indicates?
1:16:25
